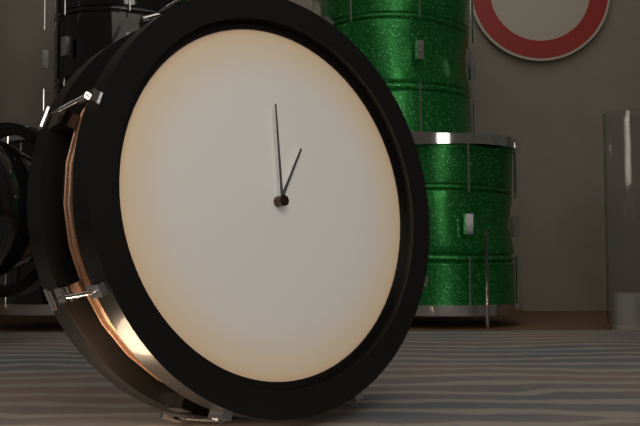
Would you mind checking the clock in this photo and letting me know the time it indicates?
1:00
